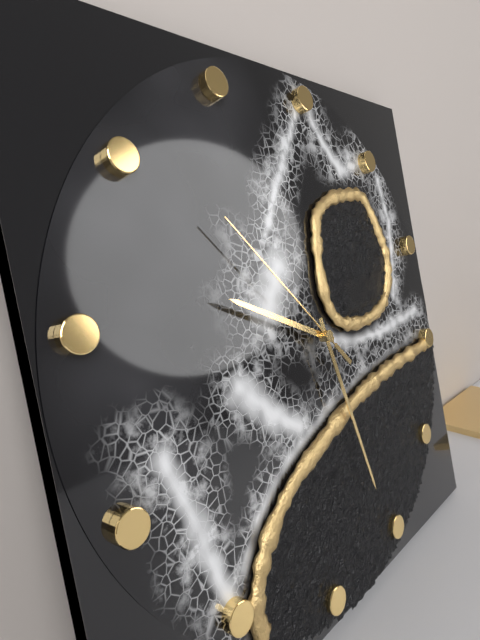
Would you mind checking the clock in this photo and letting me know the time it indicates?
9:26:51
